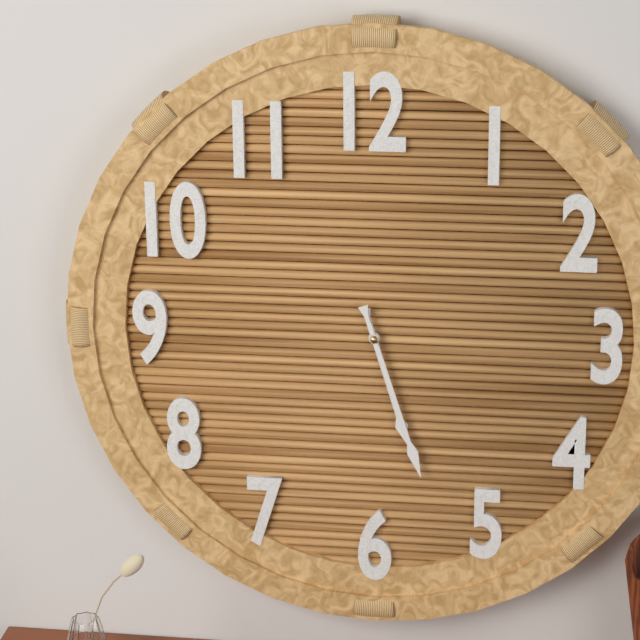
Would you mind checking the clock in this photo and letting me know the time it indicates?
5:27
